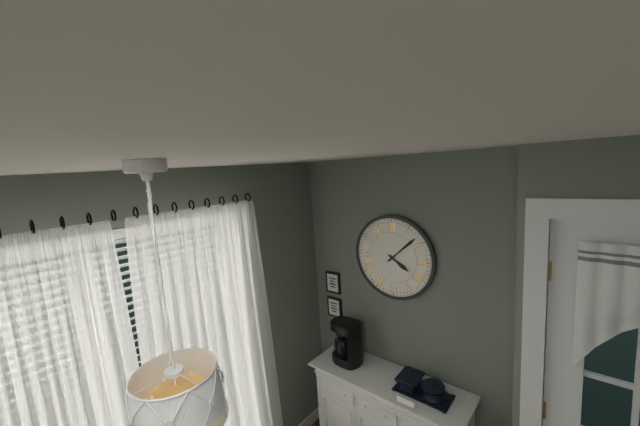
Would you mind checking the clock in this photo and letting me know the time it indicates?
4:08
